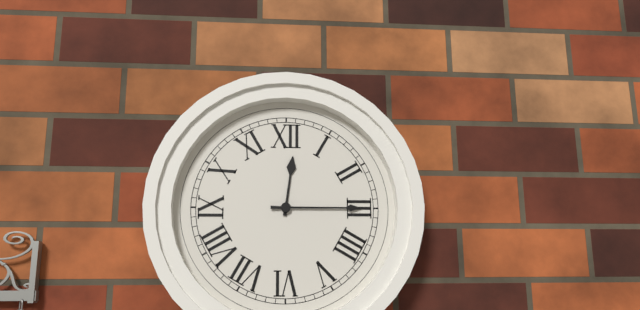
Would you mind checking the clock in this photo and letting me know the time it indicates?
12:15
